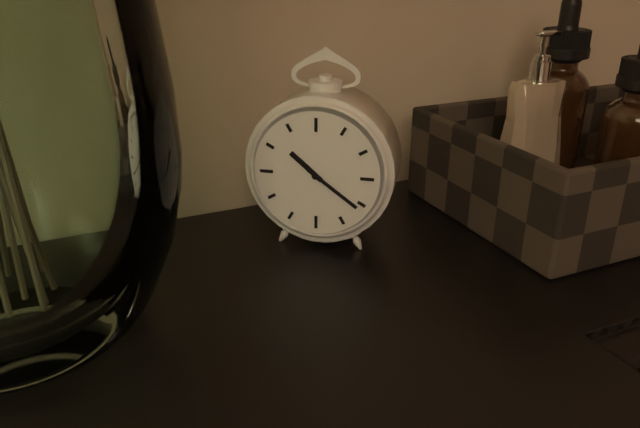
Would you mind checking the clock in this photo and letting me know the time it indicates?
10:21
